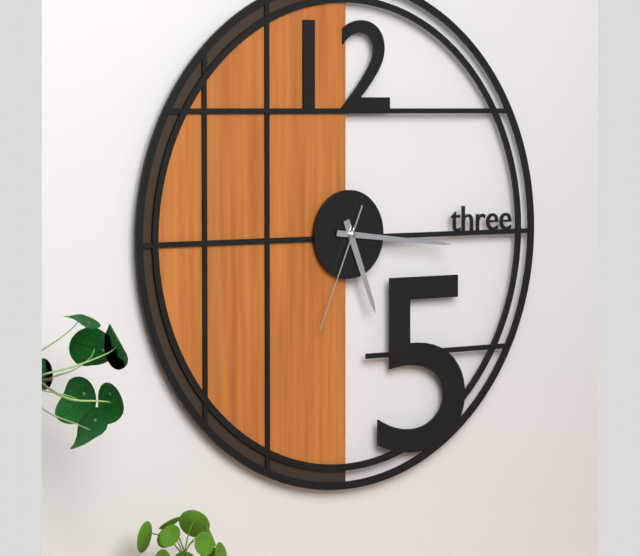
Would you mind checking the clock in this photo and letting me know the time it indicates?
5:16:34
